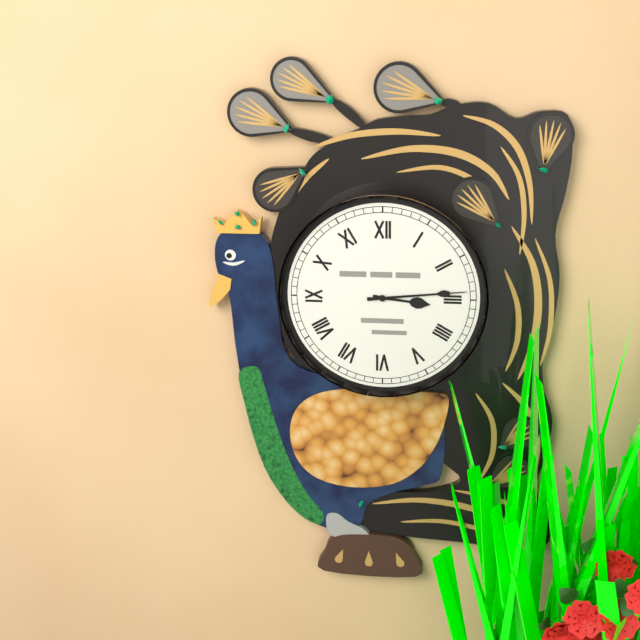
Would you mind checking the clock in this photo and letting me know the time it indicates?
3:14
